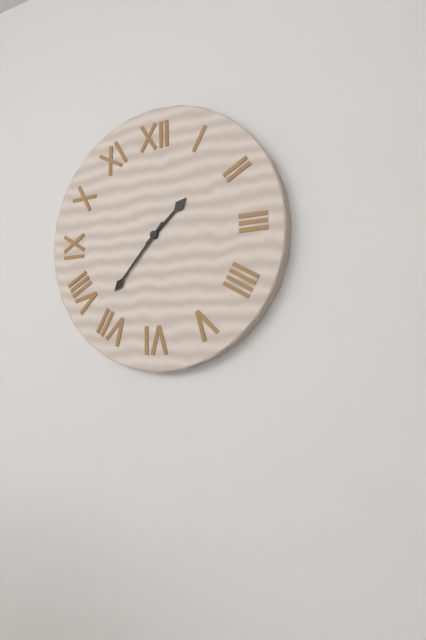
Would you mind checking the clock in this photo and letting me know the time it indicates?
1:37
